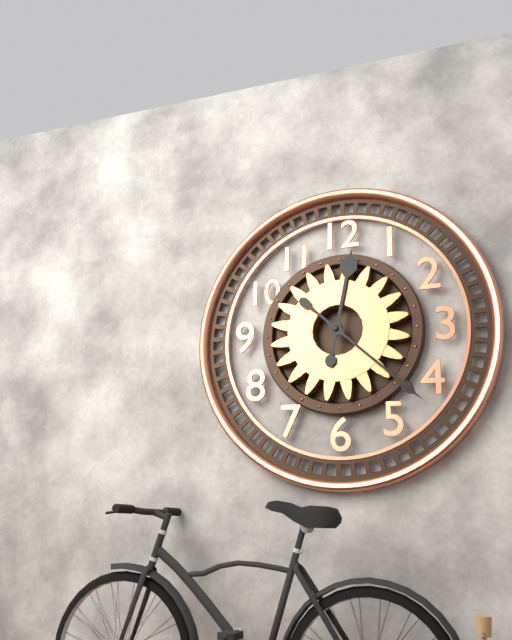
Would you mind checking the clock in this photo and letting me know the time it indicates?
12:22
